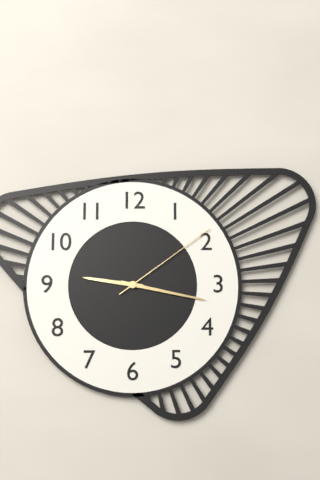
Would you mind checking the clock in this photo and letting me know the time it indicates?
9:17:09
